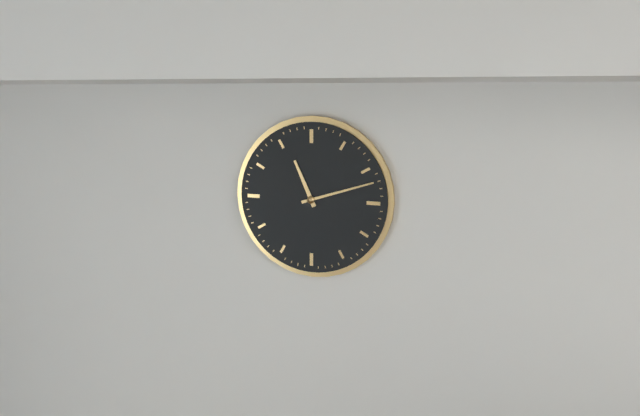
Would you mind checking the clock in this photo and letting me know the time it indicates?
11:12
